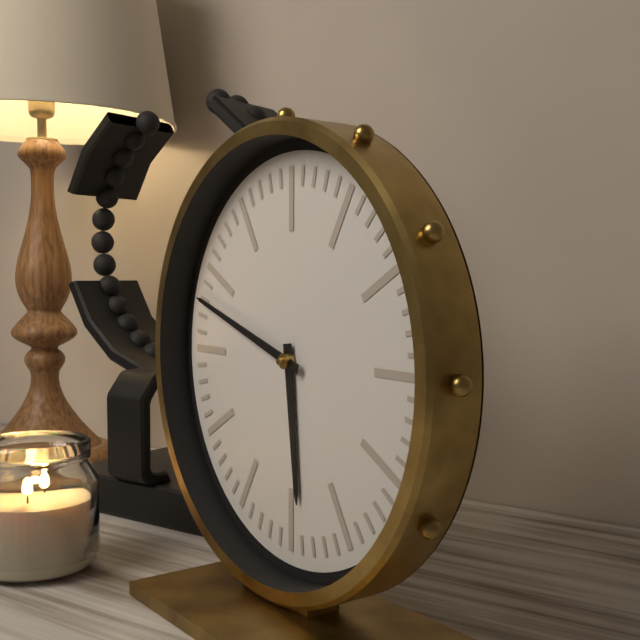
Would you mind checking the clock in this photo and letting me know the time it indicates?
5:48
